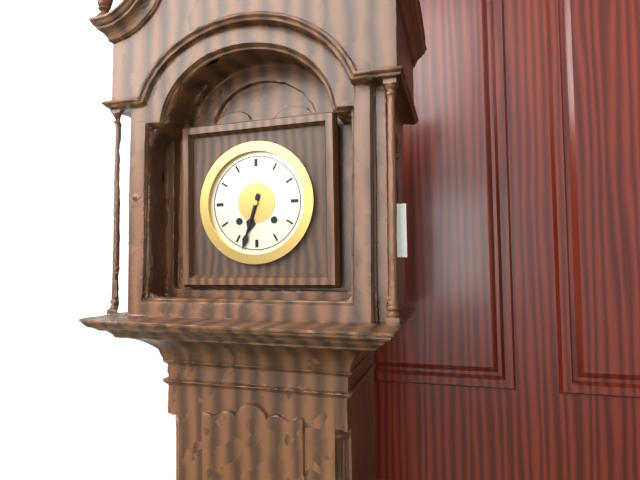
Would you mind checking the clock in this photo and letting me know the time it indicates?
6:33
